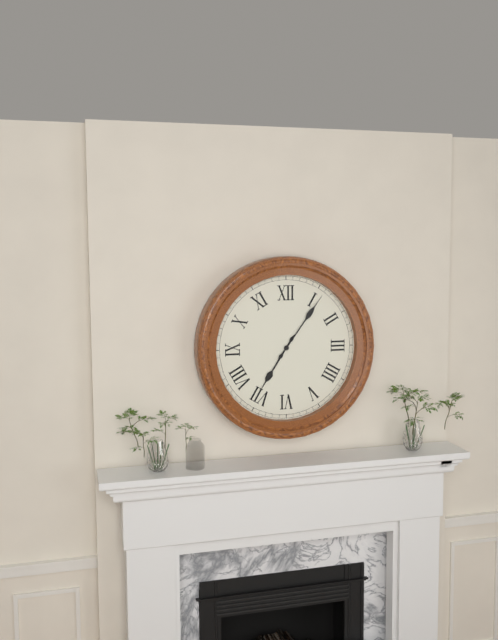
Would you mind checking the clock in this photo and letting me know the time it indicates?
7:06
